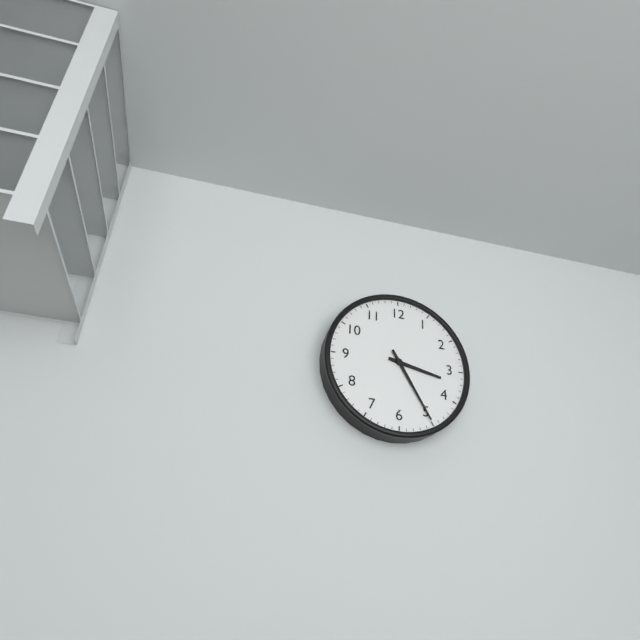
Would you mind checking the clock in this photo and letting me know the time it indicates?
3:25
